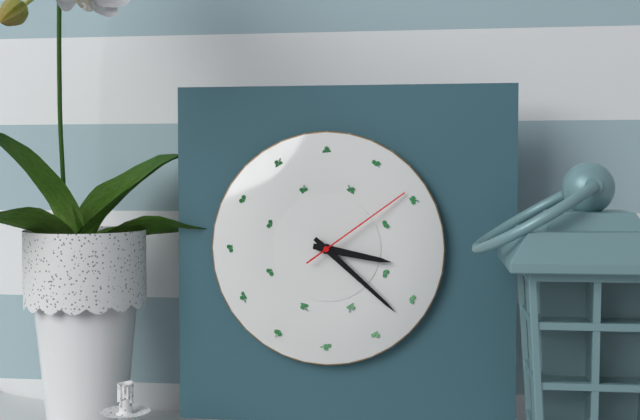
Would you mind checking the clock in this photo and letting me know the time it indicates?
3:22:09
